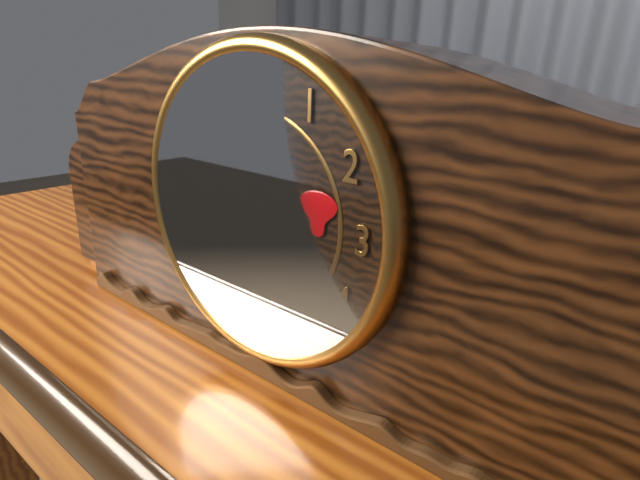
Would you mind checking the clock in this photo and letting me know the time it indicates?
9:54
